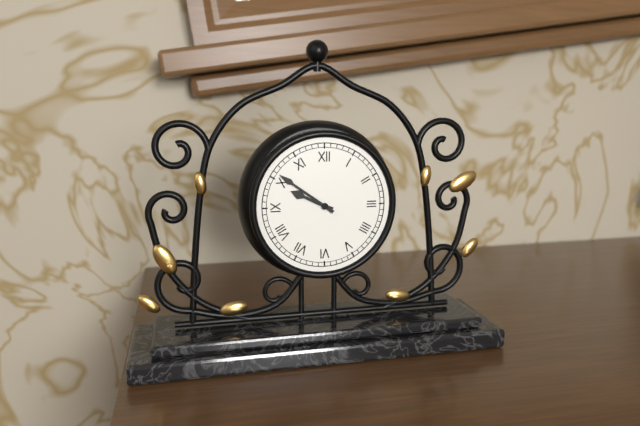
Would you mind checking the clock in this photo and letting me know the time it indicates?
9:51
